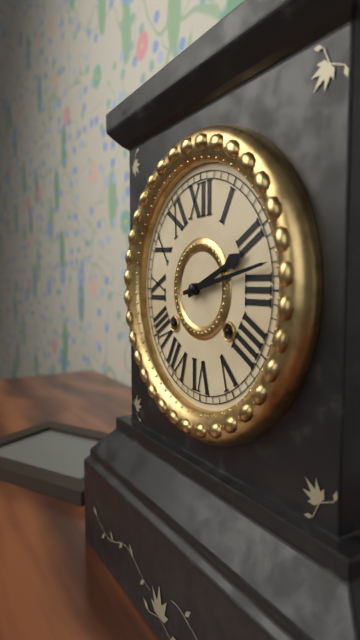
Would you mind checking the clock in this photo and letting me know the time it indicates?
2:13
